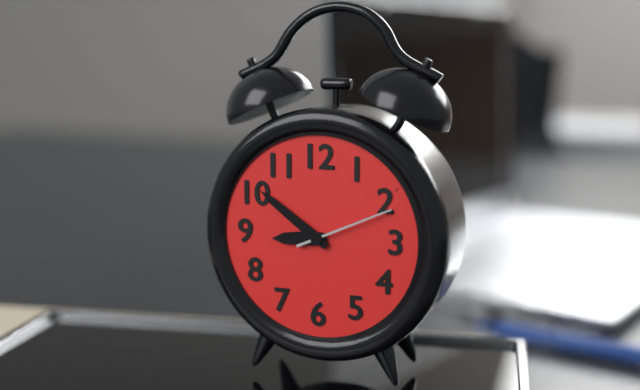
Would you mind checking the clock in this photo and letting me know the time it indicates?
8:51:11
